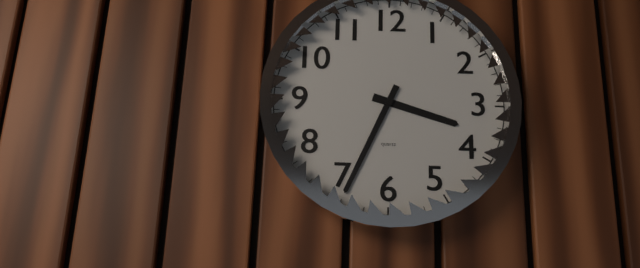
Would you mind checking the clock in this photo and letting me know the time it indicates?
3:34
